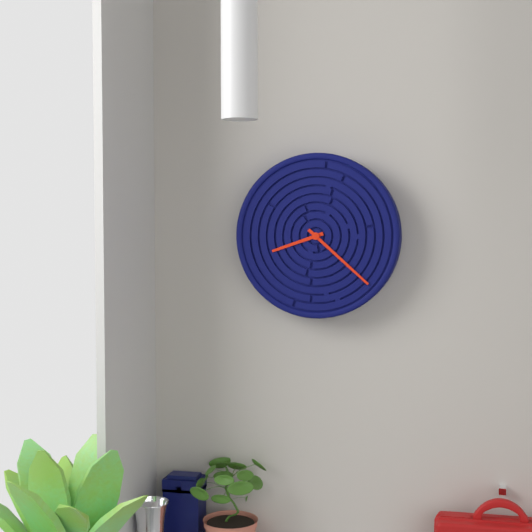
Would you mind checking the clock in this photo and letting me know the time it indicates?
8:22
